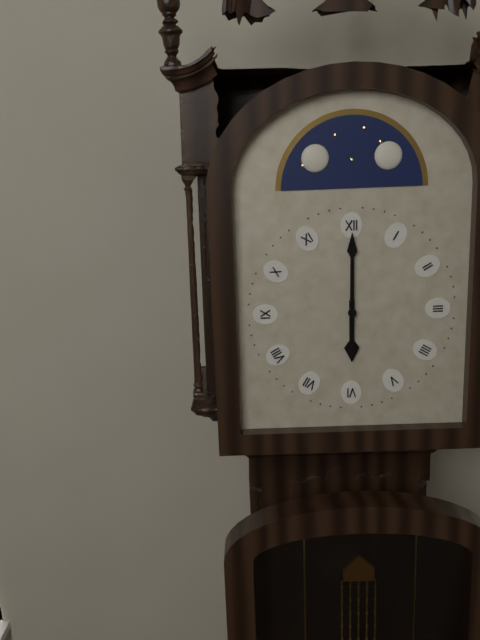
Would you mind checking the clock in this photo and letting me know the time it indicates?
6:00
